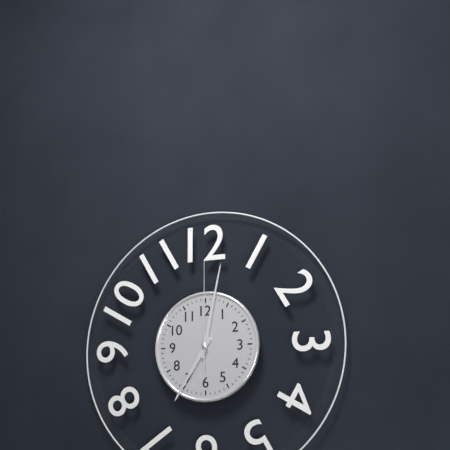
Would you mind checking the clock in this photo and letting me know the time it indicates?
7:02:00
